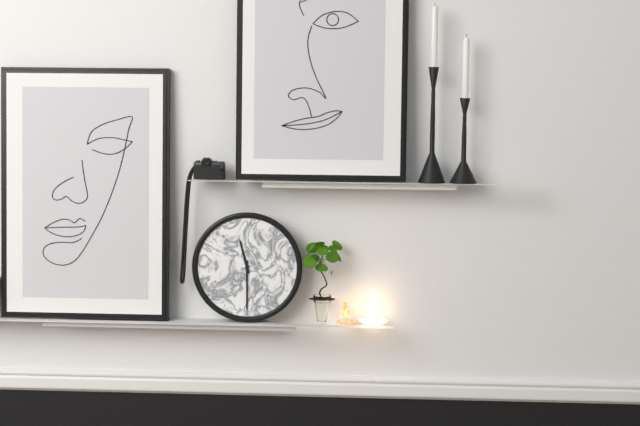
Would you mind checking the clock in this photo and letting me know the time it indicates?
11:30
